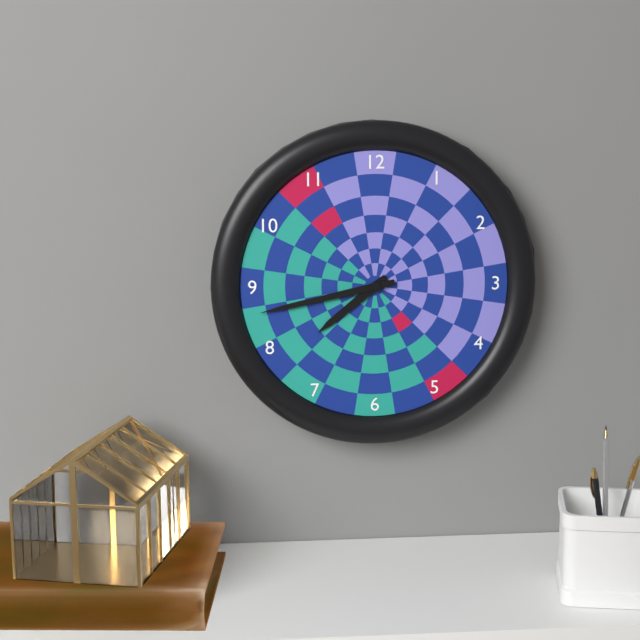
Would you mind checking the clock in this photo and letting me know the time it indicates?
7:43
